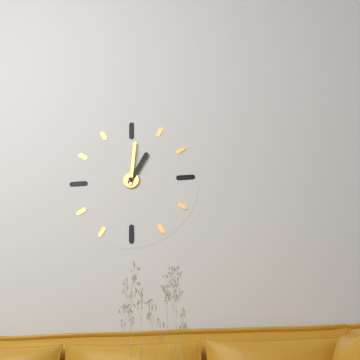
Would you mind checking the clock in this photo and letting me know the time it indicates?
1:01
